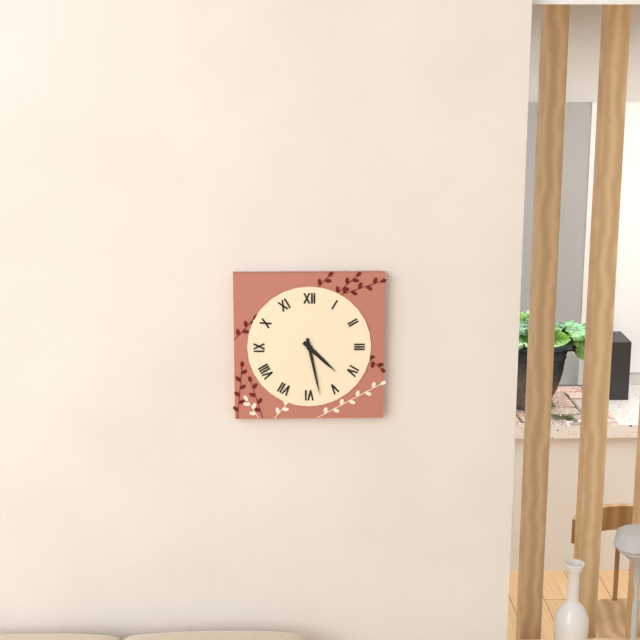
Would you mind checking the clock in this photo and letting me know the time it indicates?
4:28
